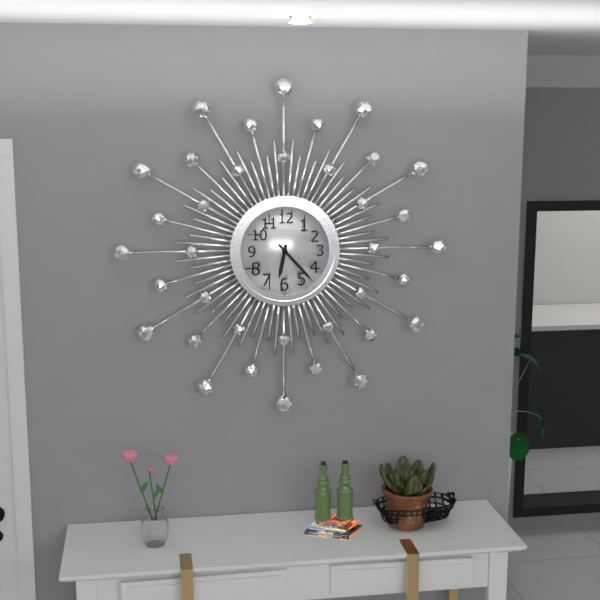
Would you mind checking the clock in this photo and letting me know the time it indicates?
6:23
